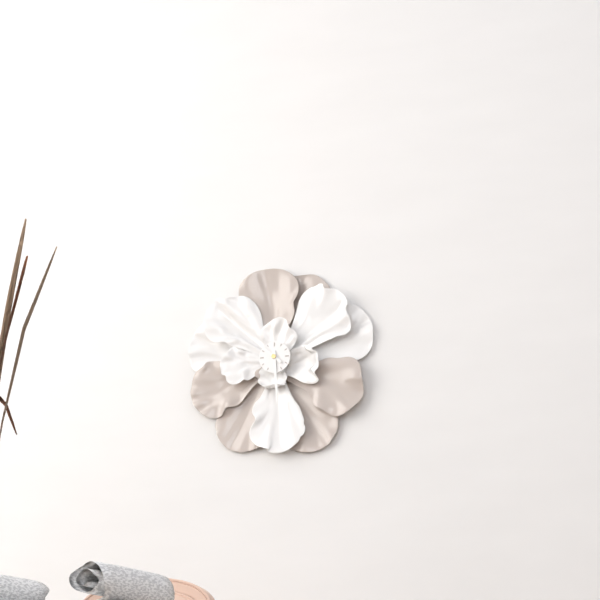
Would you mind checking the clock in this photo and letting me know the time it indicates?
5:52
